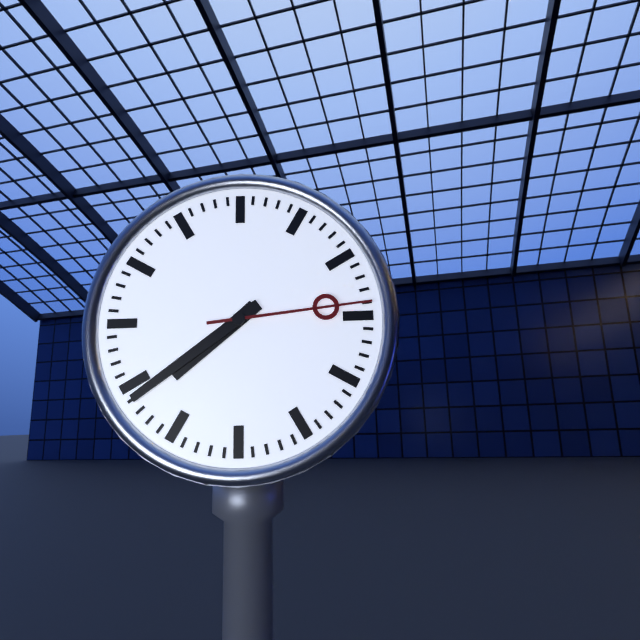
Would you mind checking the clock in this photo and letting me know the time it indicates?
7:39:14
